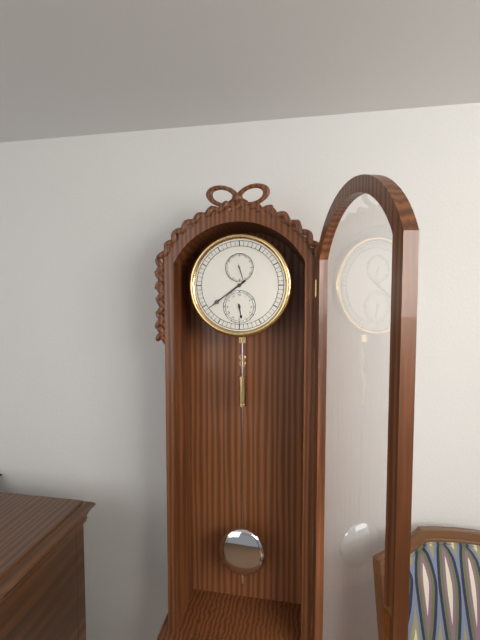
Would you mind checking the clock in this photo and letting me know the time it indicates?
5:39
